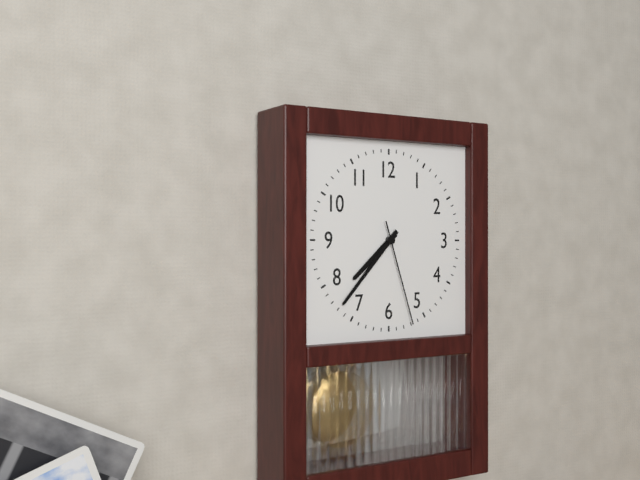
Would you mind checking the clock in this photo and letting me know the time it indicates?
7:37:27
